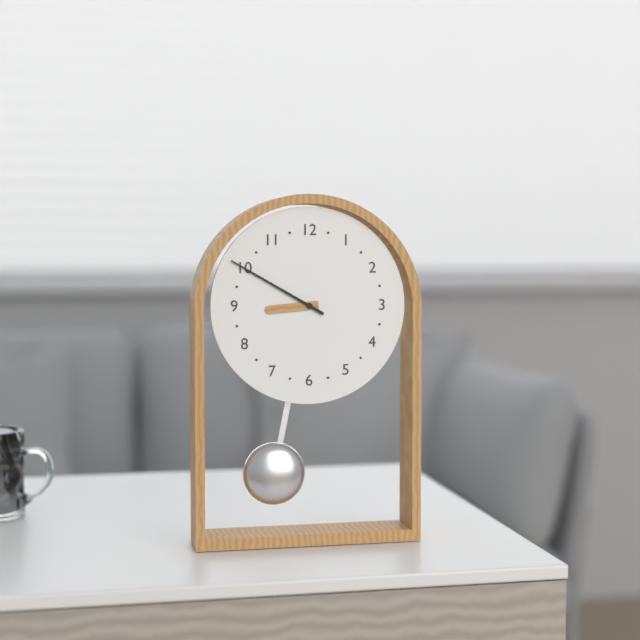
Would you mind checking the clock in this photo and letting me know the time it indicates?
8:50
